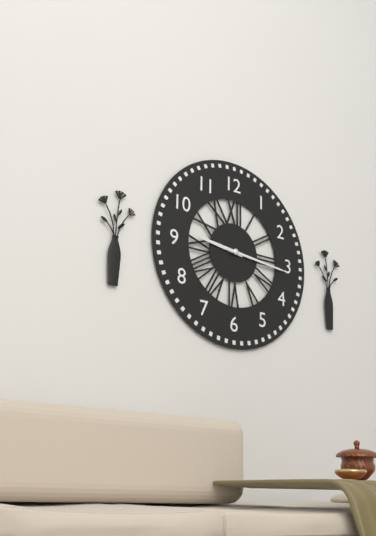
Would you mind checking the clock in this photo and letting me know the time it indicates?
9:16
